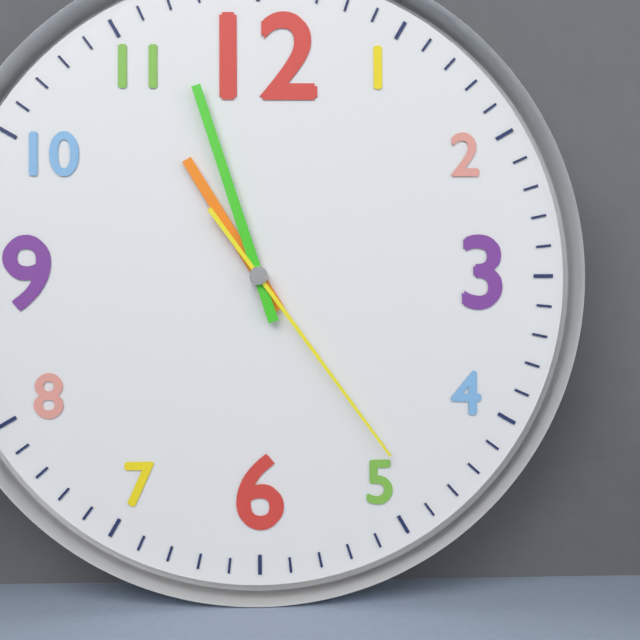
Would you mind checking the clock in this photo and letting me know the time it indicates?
10:57:24
